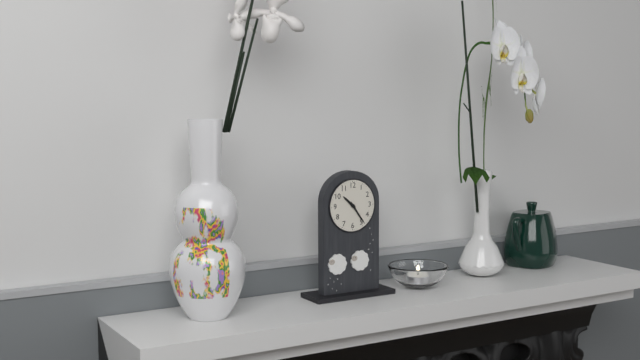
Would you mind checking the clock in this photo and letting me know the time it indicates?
10:24
